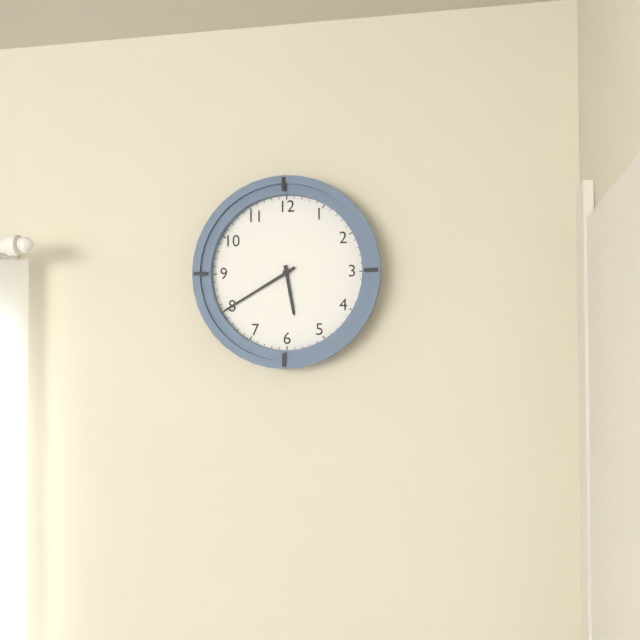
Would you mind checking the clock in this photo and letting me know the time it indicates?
5:40
